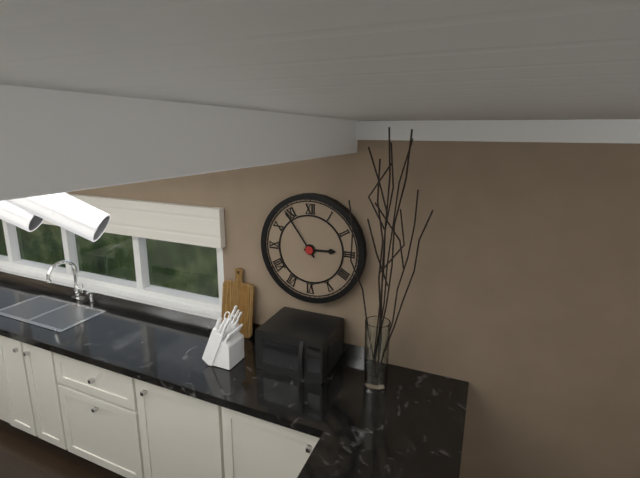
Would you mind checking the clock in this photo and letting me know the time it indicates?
2:54
